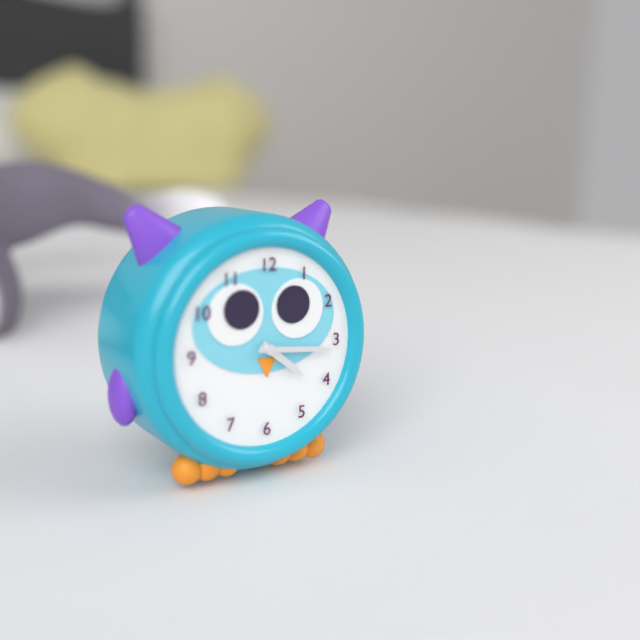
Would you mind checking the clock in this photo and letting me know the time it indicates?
4:16
